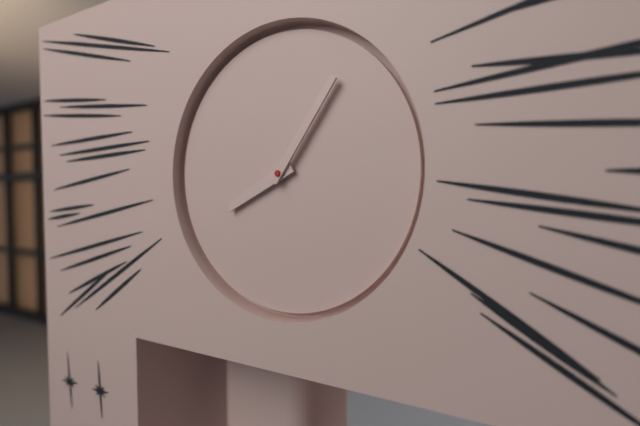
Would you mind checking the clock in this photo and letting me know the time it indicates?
8:06
